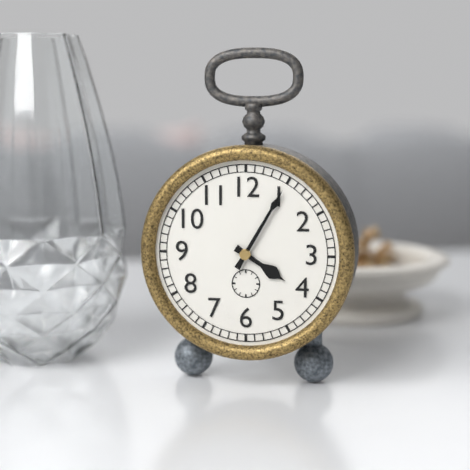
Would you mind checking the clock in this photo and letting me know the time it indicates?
4:05
